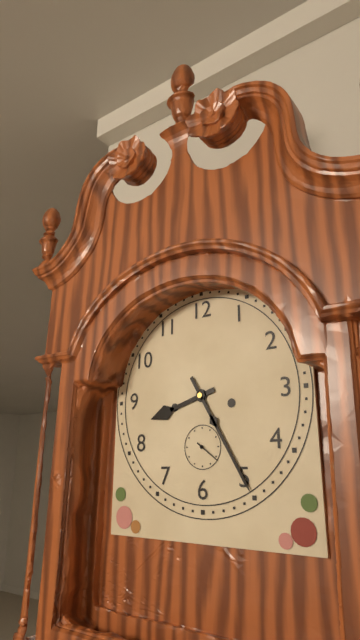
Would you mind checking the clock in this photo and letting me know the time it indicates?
8:25
